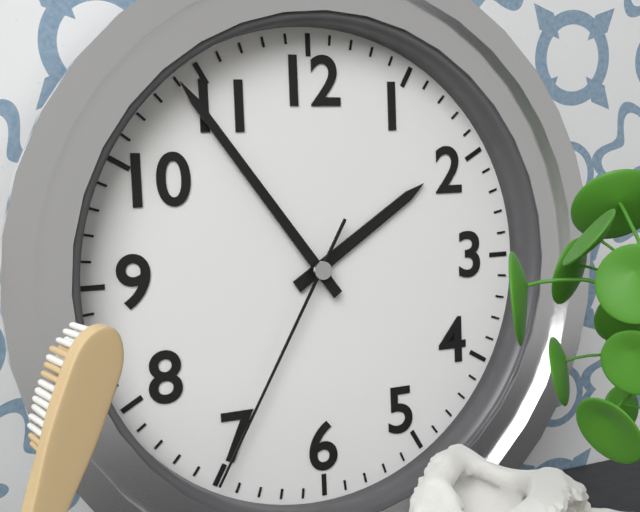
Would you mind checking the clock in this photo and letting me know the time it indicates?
1:54:35
